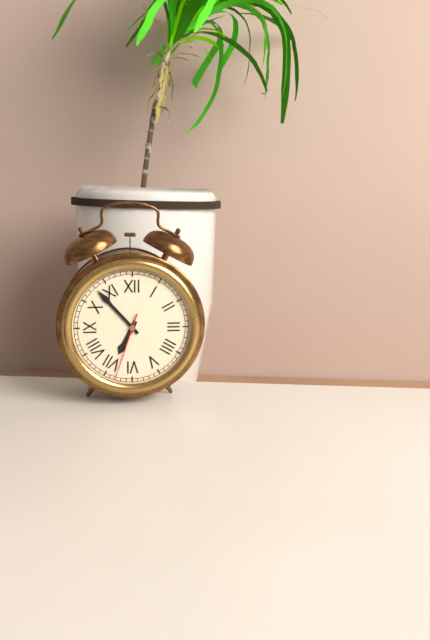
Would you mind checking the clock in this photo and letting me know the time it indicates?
6:53:33
